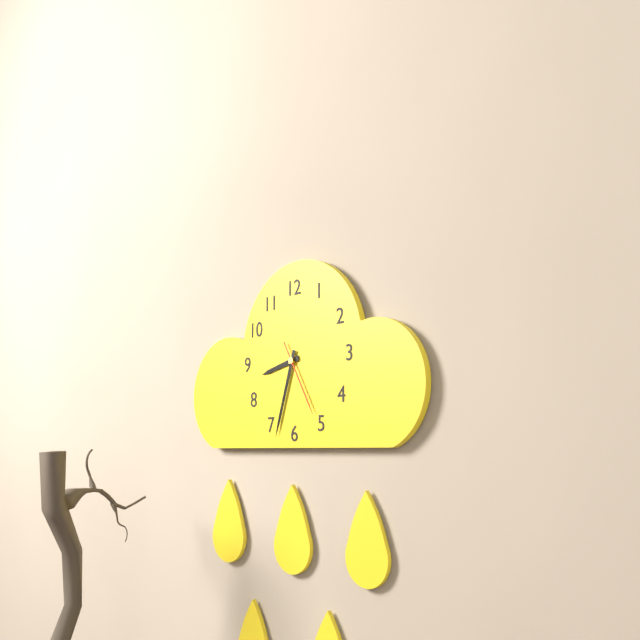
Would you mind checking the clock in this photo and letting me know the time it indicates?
8:33:25
